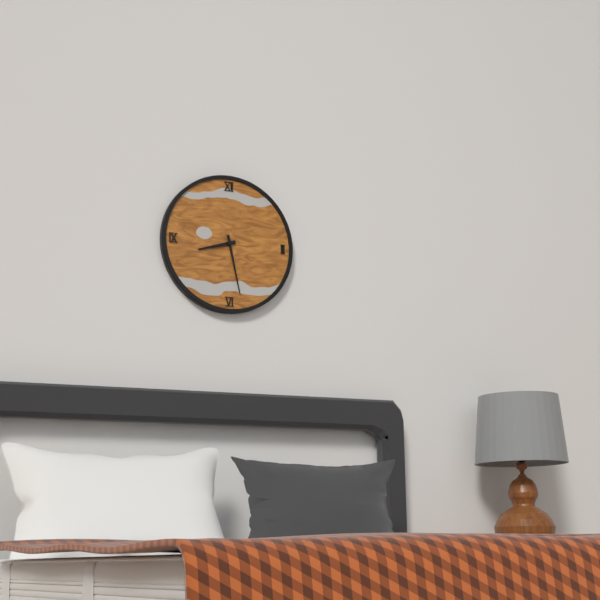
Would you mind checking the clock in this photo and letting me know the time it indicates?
8:28
